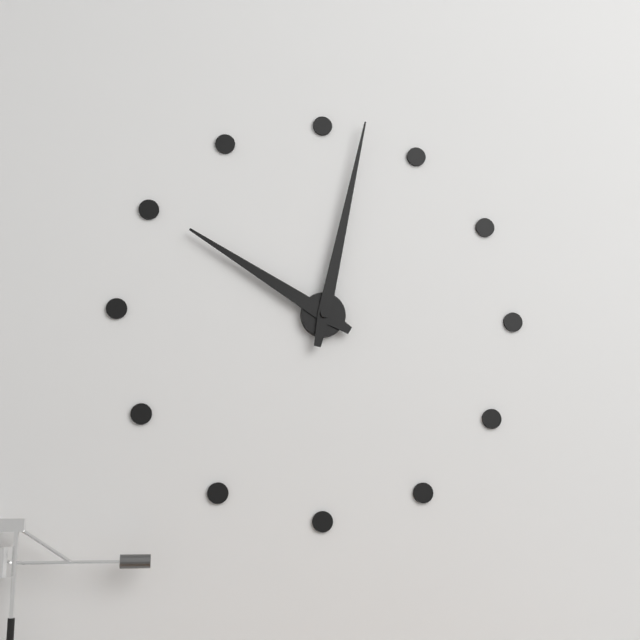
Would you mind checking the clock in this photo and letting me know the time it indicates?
10:02
